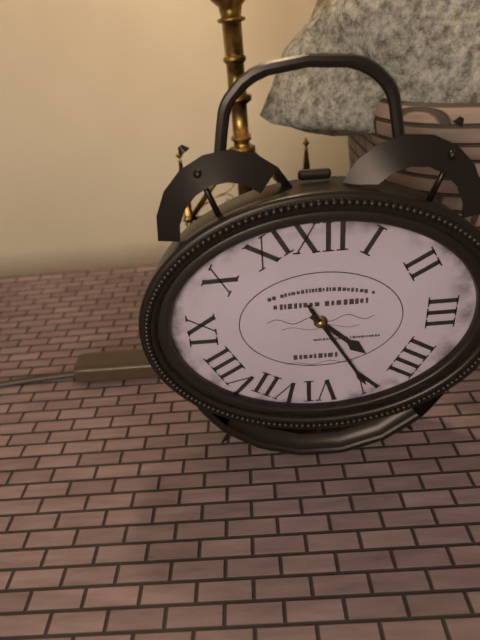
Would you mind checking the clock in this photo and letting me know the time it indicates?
4:25:25
